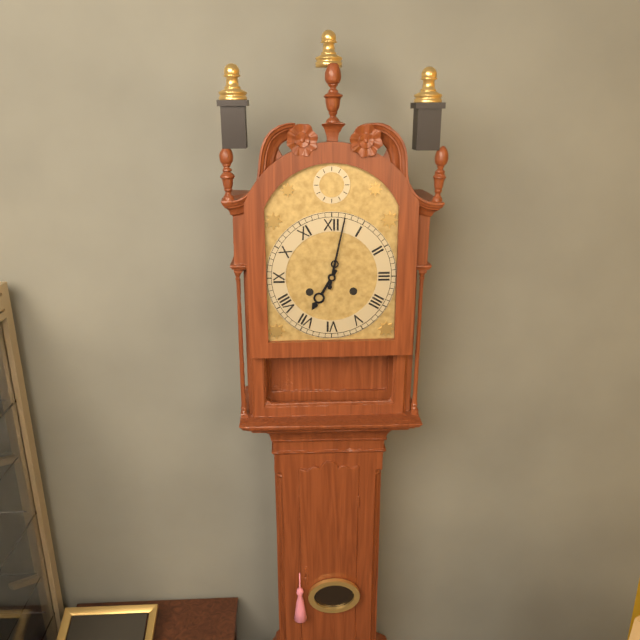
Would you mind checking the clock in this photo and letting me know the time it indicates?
7:02
